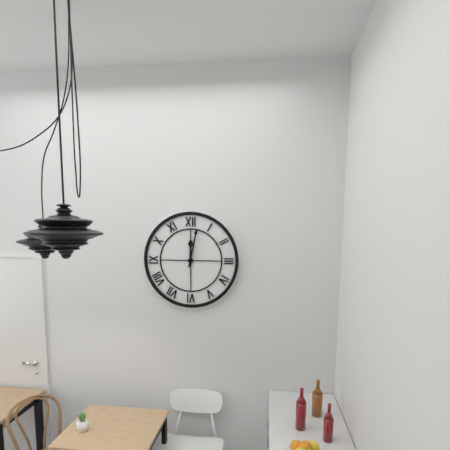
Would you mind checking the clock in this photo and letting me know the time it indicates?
12:02
